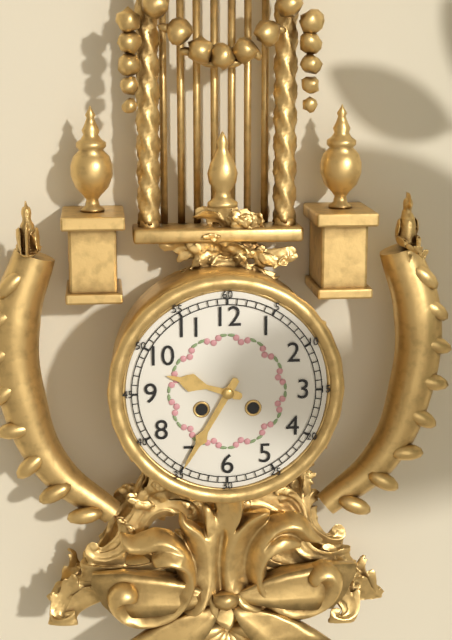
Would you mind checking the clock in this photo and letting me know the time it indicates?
9:35
